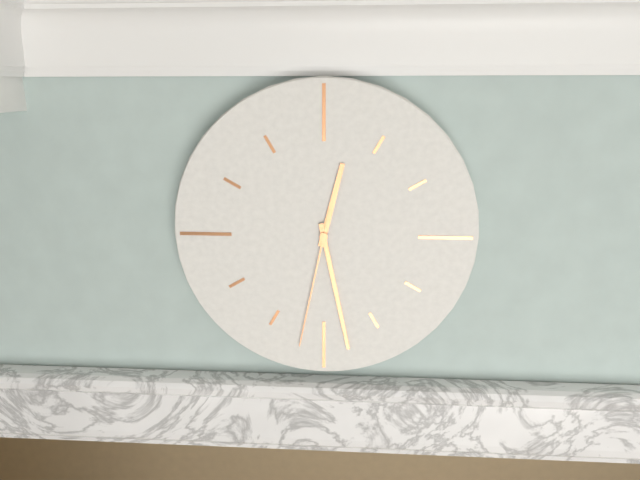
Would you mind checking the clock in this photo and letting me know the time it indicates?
12:28:32
